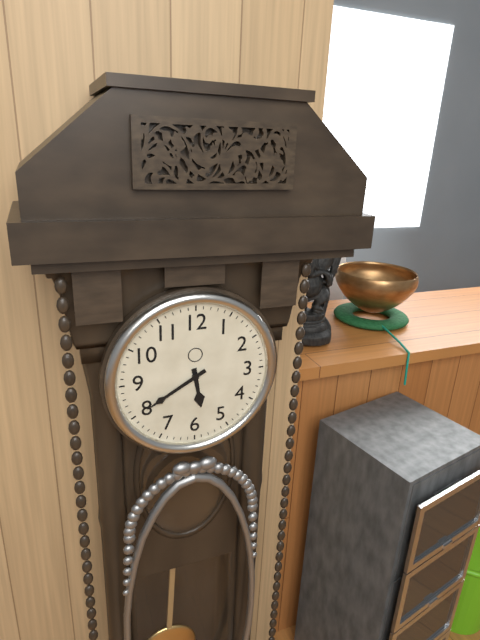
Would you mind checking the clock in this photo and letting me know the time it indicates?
5:40
